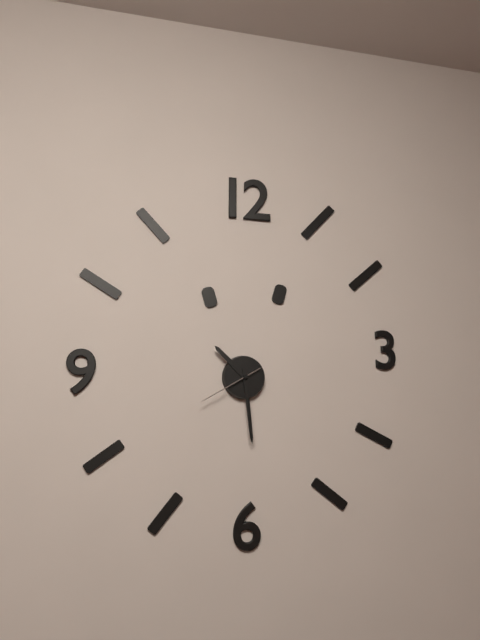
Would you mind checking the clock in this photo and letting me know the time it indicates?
10:29:40
